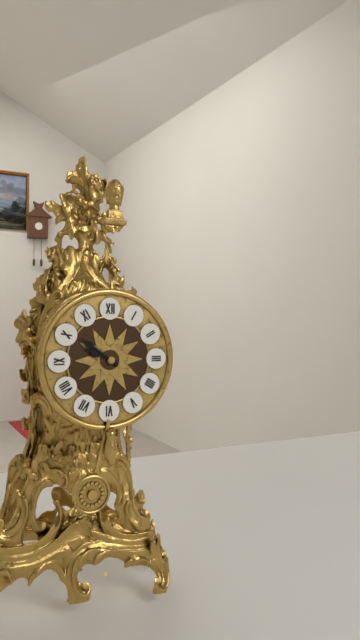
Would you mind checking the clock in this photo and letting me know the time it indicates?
9:51
